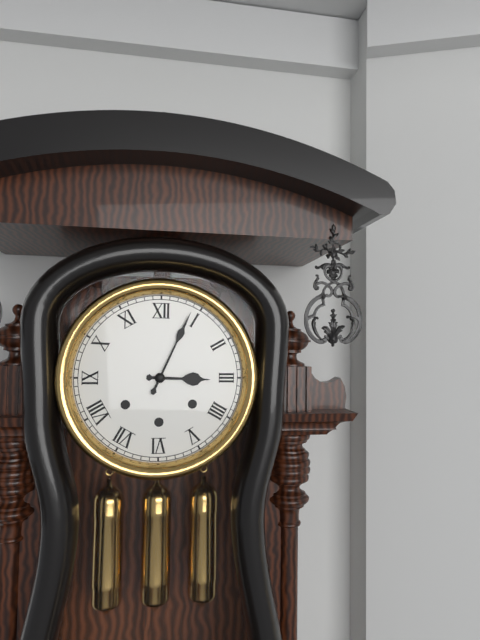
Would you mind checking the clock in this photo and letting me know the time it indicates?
3:04
